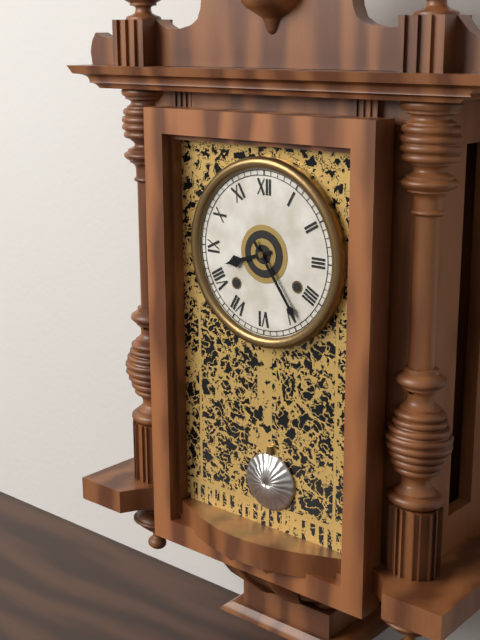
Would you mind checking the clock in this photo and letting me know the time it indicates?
8:24
